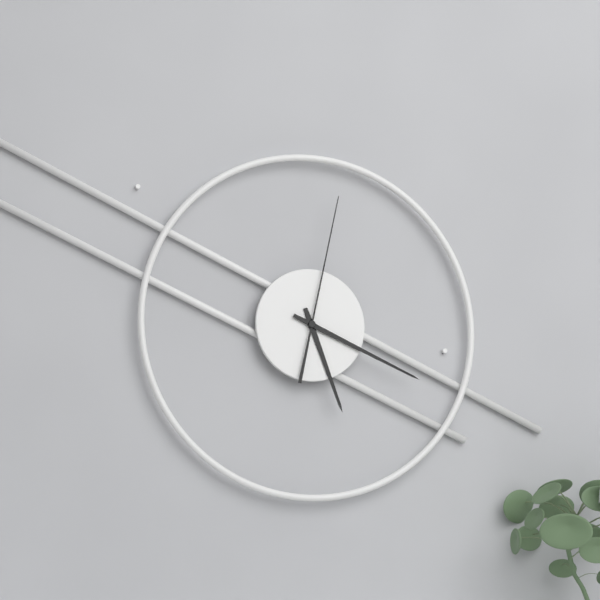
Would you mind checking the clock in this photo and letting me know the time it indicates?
5:19:02
